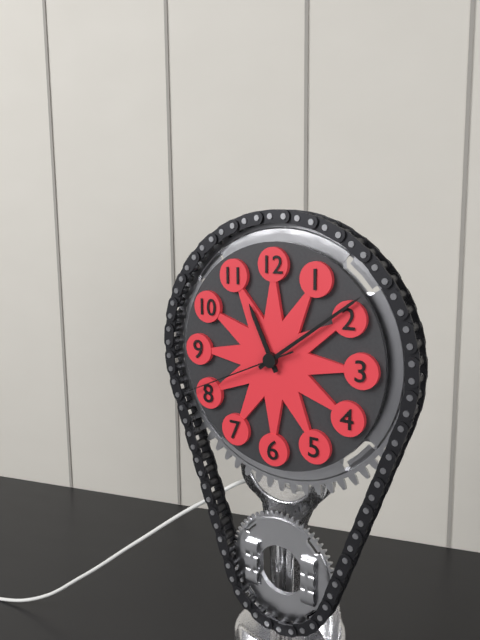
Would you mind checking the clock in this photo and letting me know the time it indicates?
11:09:41
